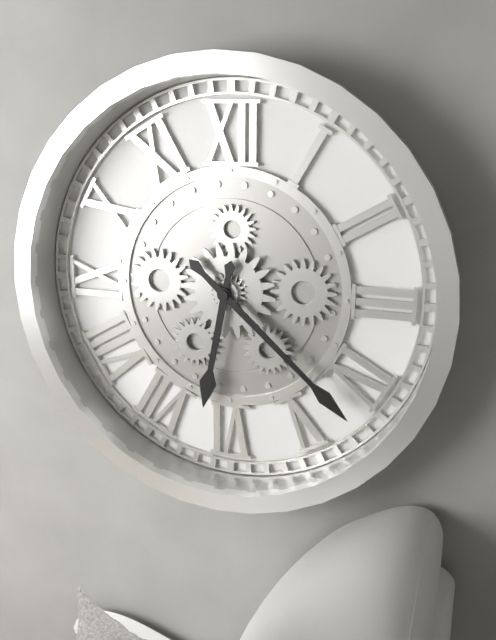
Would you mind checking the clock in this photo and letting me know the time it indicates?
6:22
